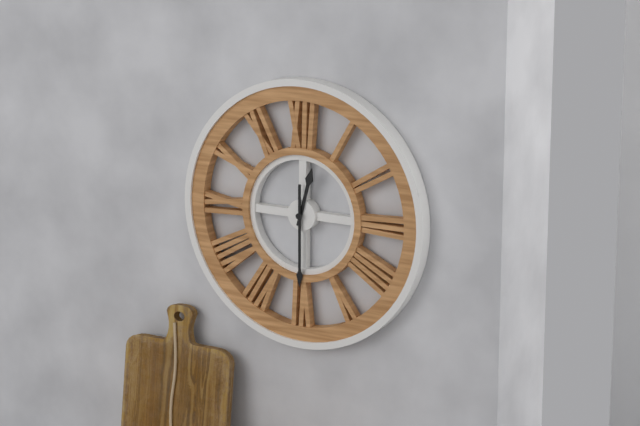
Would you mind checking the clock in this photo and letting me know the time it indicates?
12:30
